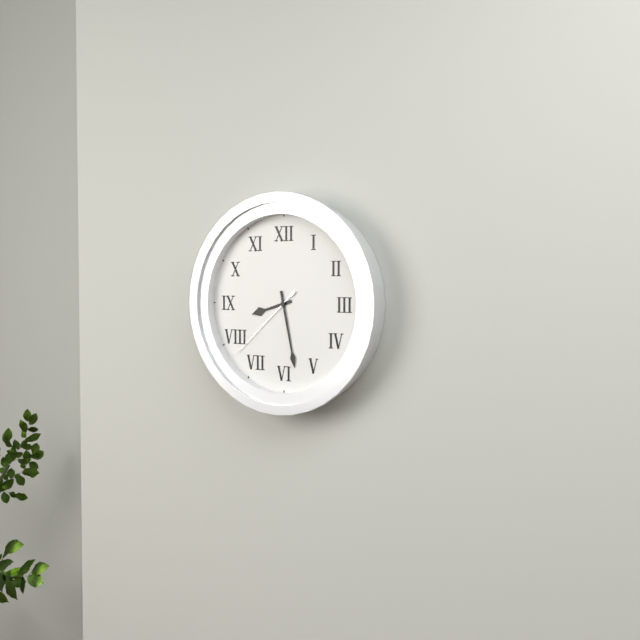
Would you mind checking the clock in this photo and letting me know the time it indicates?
8:28:38
